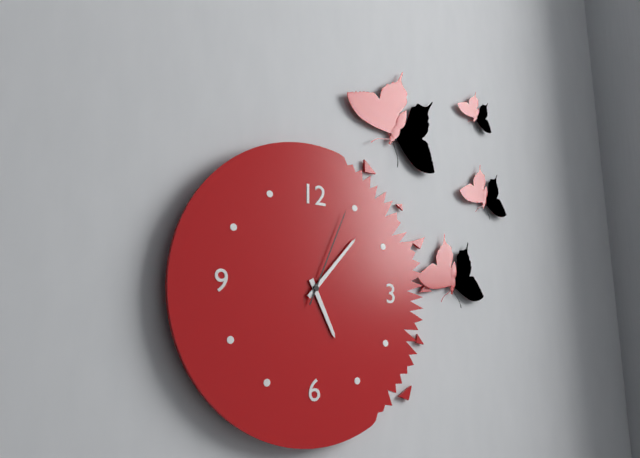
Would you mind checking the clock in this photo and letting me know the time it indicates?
5:07:04
